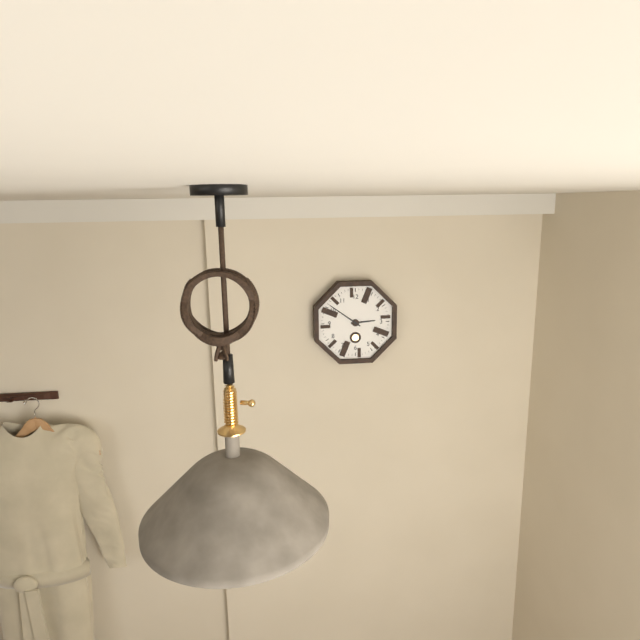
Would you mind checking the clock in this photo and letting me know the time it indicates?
2:51
